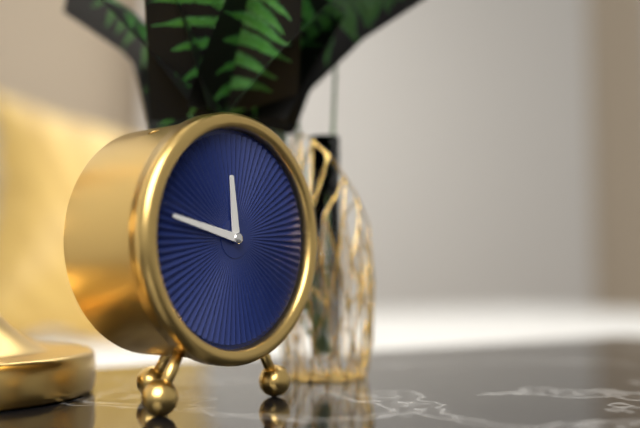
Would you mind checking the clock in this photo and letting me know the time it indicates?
11:47
